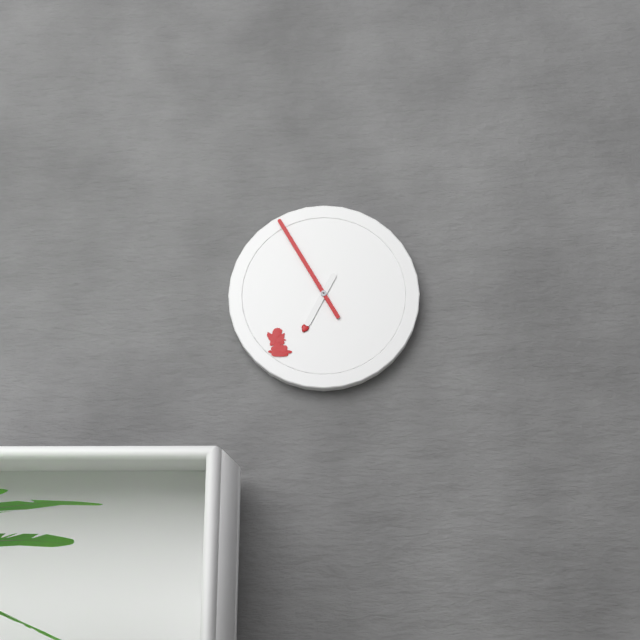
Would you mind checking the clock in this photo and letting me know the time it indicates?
6:55
